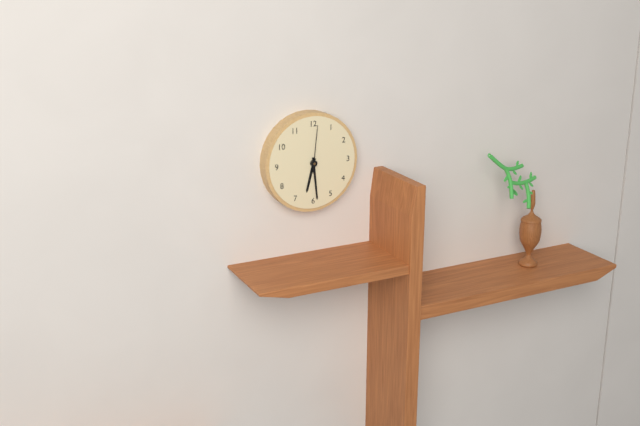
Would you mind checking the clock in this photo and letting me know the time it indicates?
6:29
